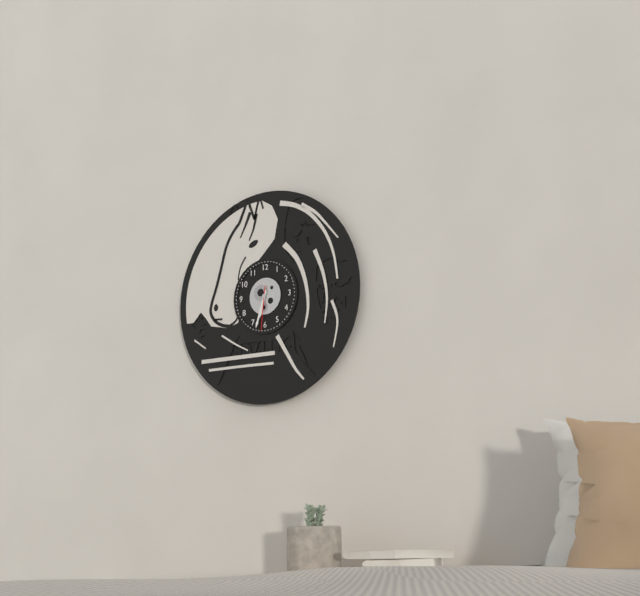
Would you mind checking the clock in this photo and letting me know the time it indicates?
6:33
